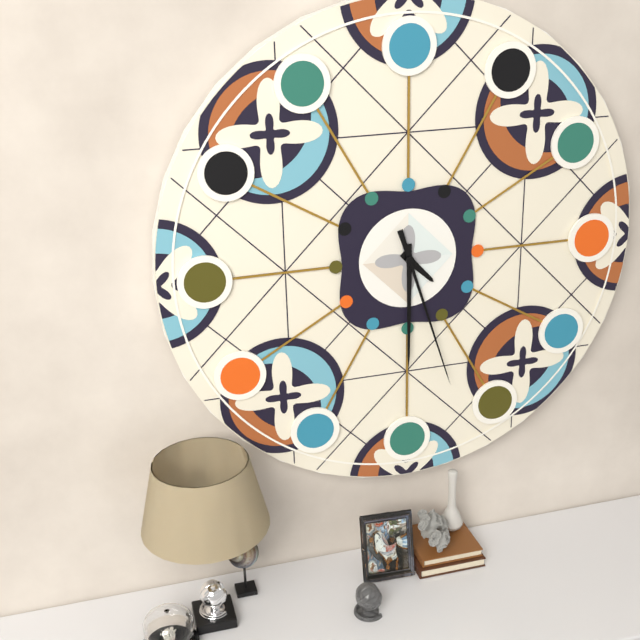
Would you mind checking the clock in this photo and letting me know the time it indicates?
4:30:27
